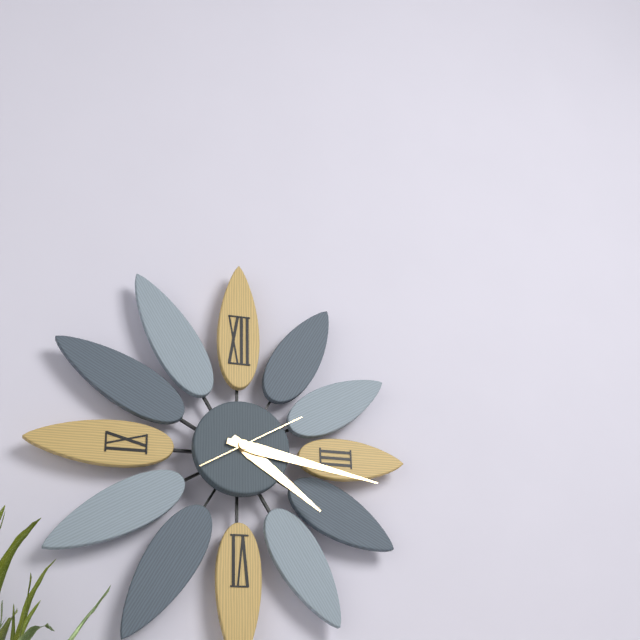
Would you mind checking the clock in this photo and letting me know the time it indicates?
4:17:10
